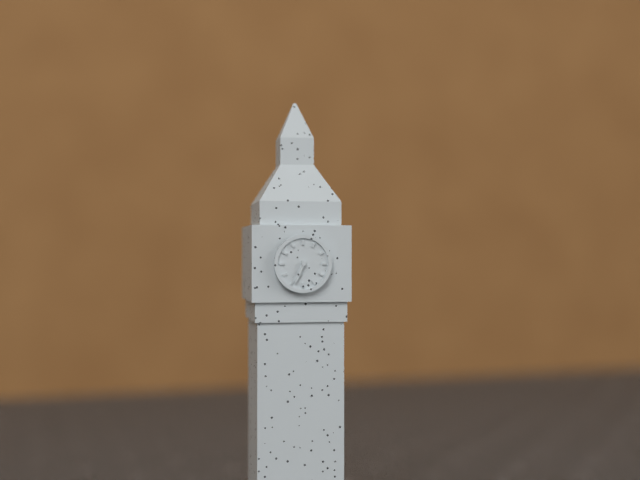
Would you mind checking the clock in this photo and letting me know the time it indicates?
6:34
